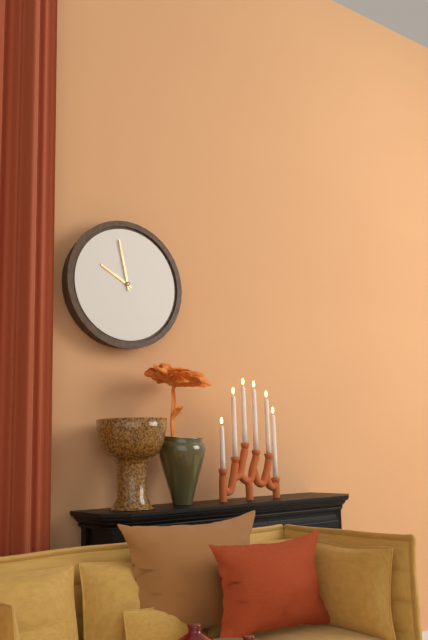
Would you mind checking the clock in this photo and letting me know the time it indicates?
9:58
